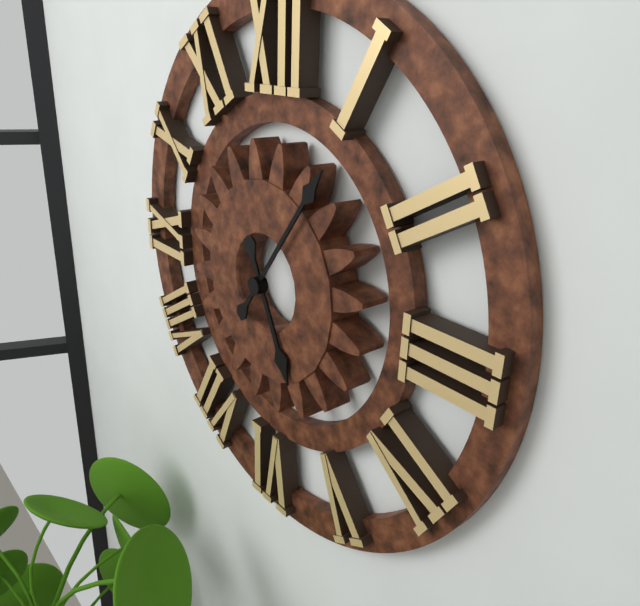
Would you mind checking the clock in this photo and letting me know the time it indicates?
5:06
